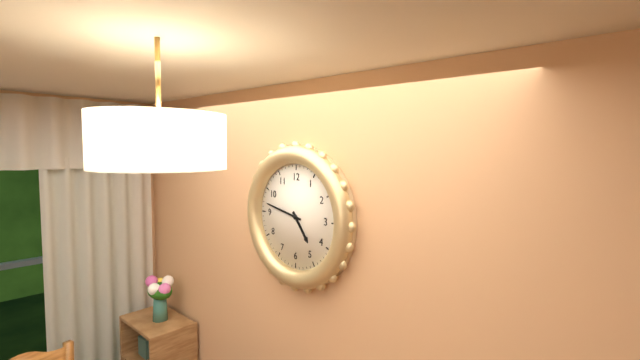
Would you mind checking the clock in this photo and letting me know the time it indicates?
4:47
